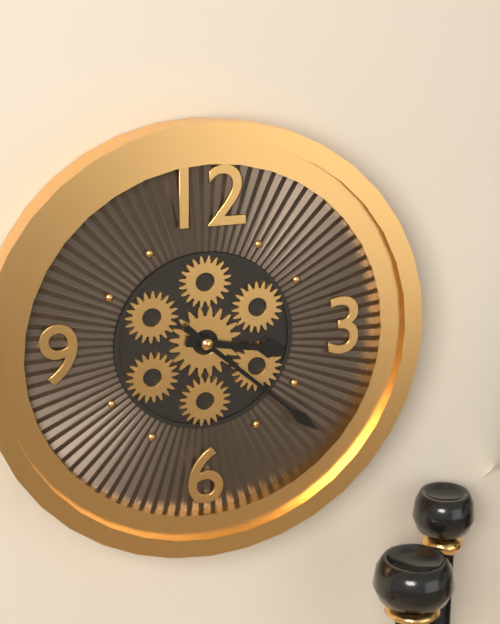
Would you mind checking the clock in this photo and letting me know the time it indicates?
3:22
